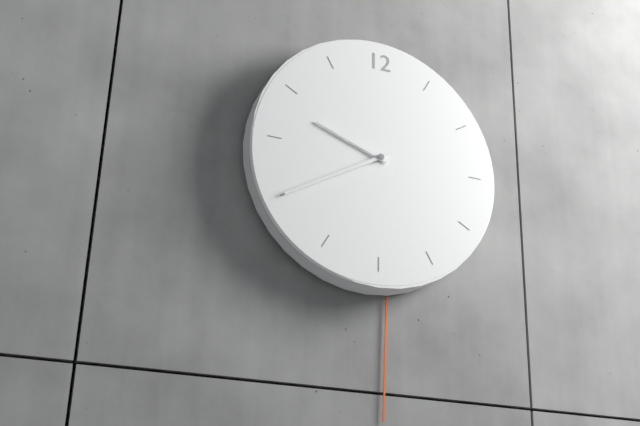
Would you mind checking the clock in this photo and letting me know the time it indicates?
9:40
